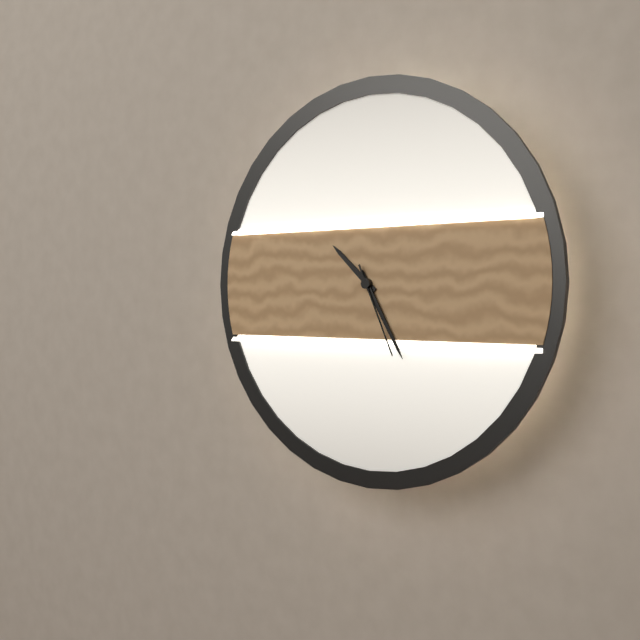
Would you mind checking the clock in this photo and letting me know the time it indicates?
10:25:26
